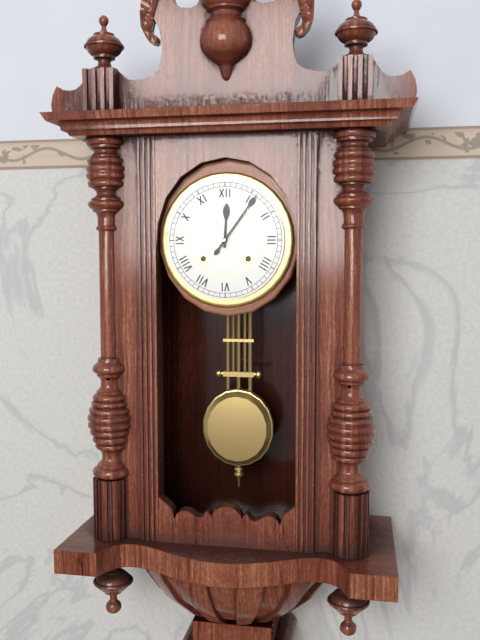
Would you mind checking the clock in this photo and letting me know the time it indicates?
12:06
